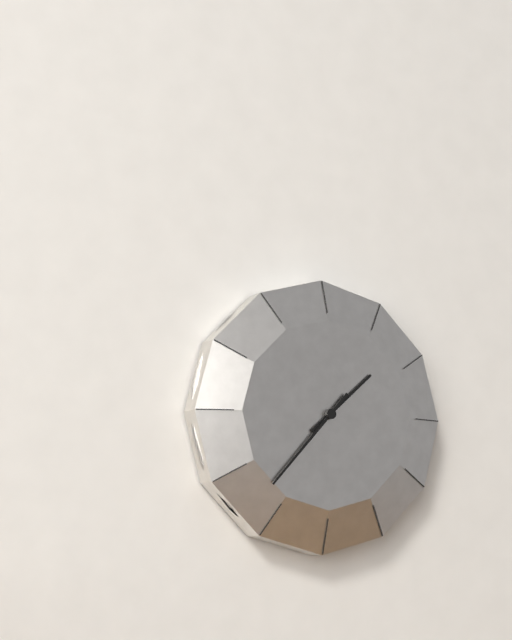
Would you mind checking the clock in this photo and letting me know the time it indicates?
1:37
